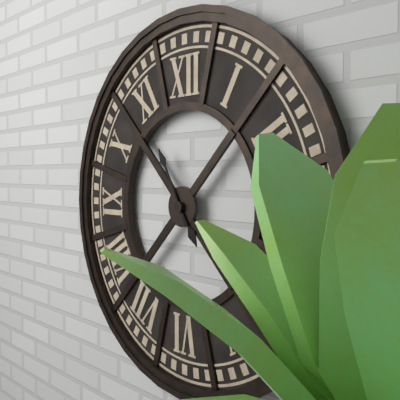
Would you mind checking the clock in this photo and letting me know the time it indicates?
4:55
